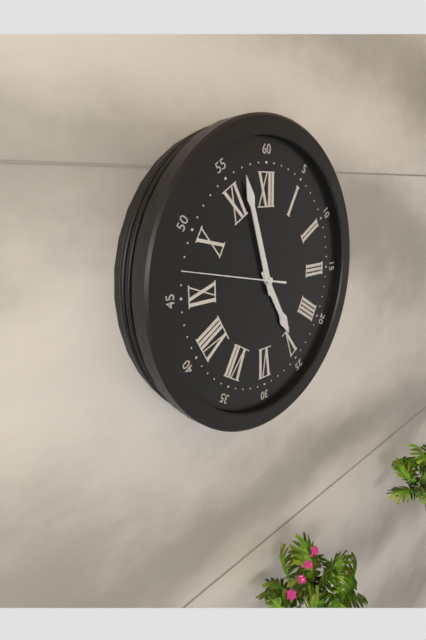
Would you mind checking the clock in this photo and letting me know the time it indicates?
4:57:47
